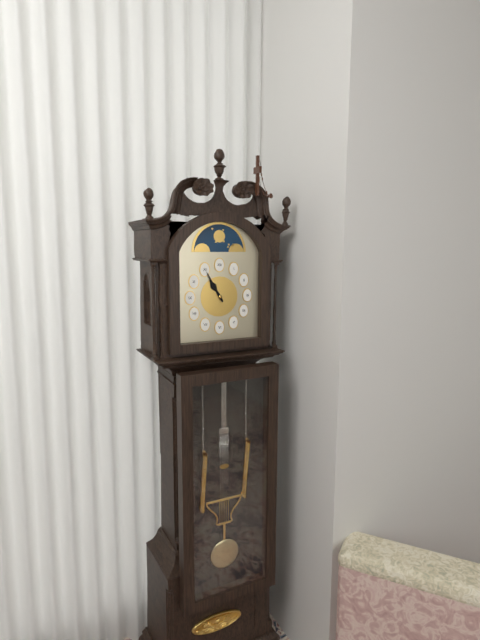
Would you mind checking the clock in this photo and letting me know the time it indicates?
10:55
